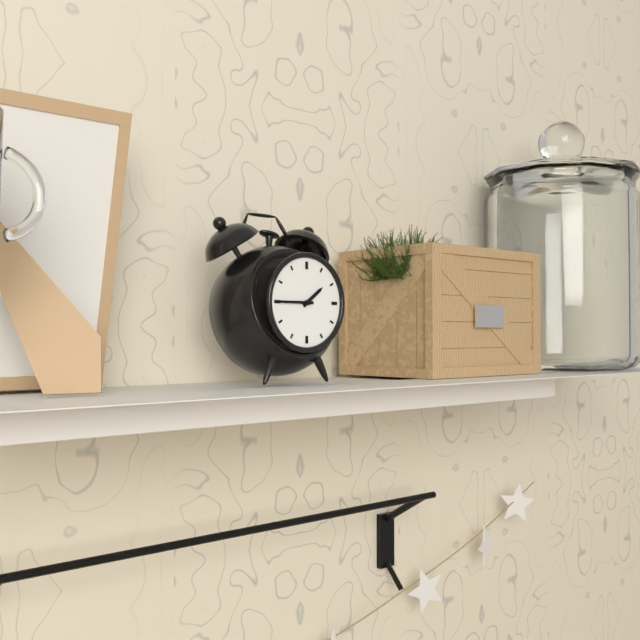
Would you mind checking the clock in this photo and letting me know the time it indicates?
1:45
